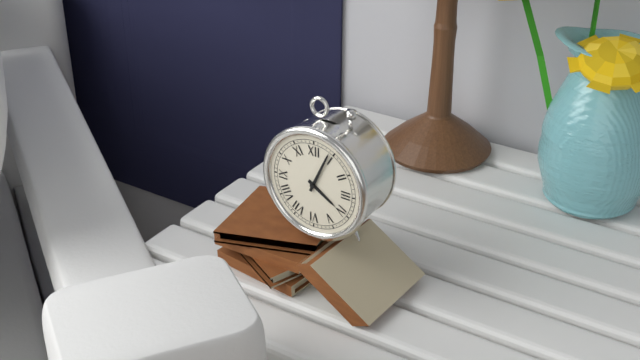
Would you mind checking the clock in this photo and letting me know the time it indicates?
4:04
